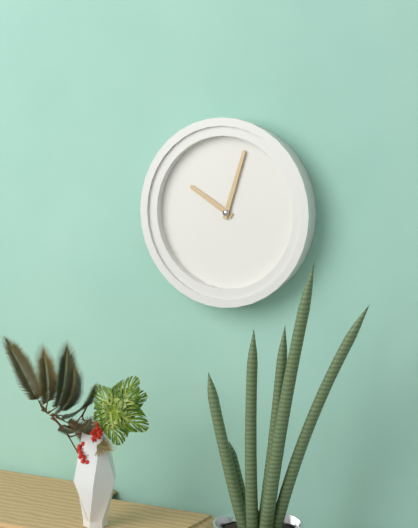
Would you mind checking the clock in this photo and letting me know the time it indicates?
10:03
